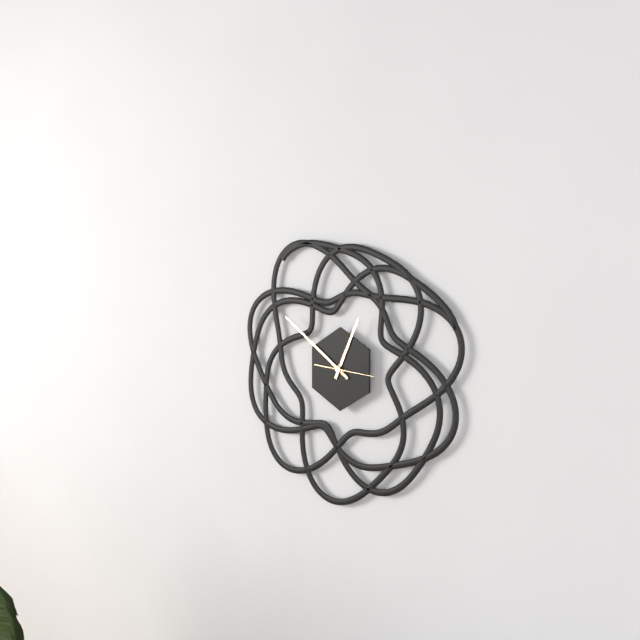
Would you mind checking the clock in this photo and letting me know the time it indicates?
12:51
